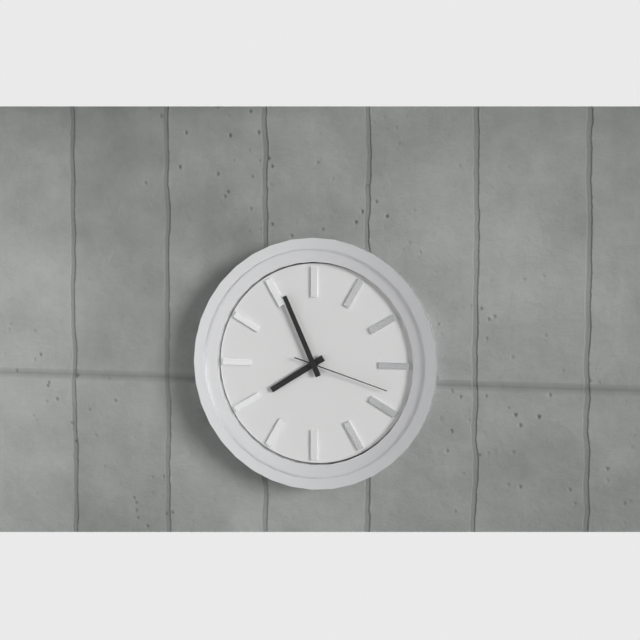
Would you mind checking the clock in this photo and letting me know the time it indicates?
7:56:18
